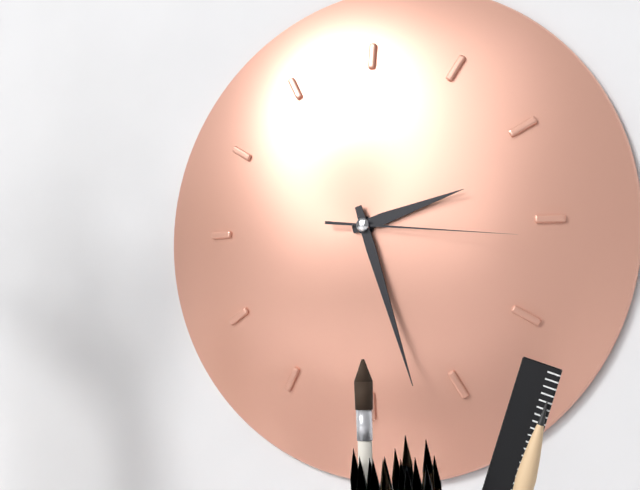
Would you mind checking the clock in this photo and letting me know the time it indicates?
2:27:16
